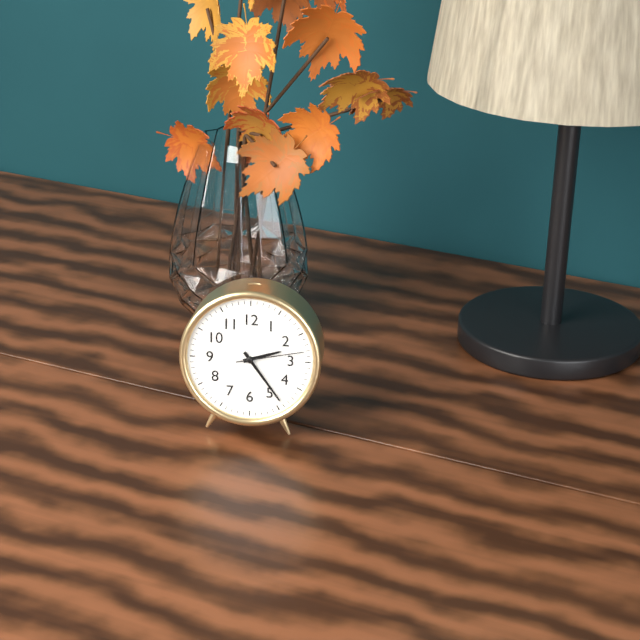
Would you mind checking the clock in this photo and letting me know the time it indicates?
2:24:13
